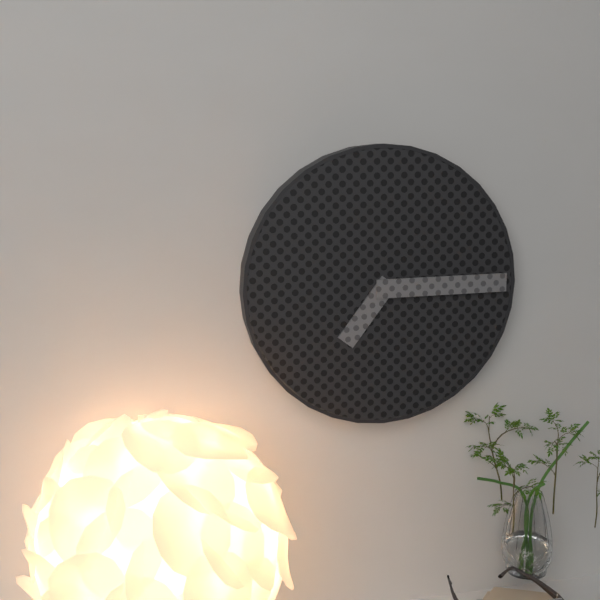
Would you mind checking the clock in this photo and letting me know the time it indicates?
7:15
